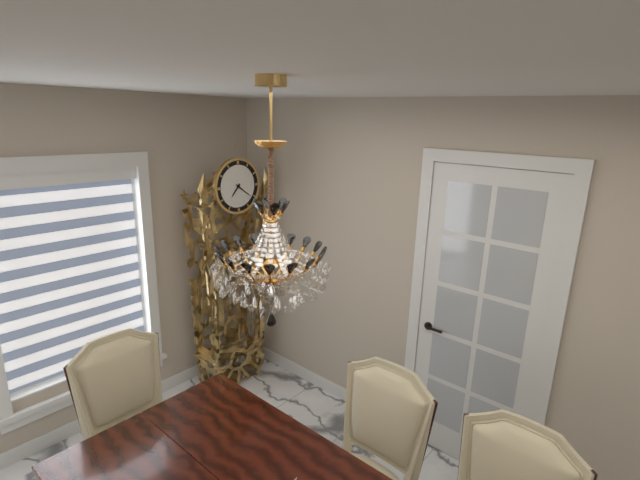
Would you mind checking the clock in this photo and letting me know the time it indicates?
7:21
